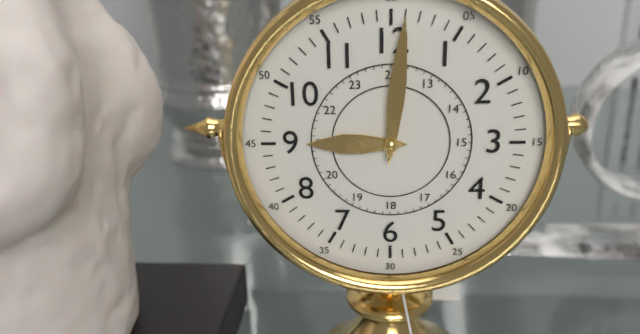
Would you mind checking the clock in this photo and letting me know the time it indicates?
9:01
